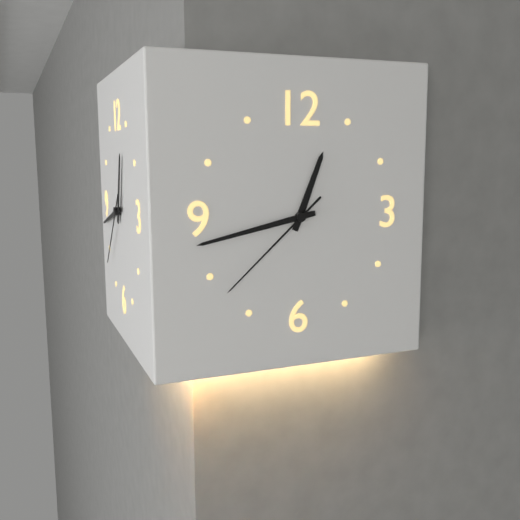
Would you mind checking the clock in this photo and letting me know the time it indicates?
12:43:38
